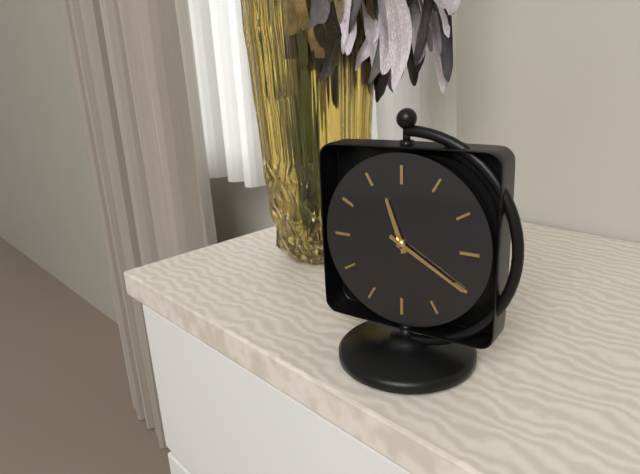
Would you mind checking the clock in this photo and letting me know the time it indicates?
11:20
